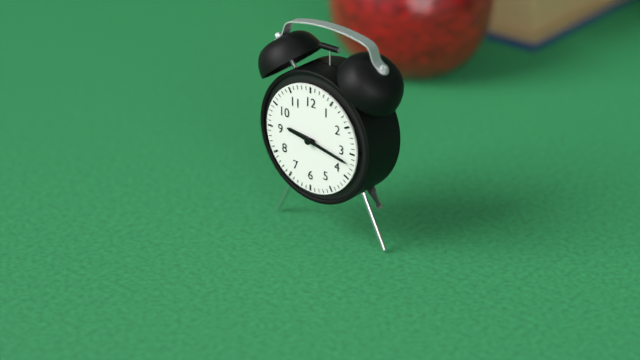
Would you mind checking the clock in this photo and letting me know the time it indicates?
9:17
